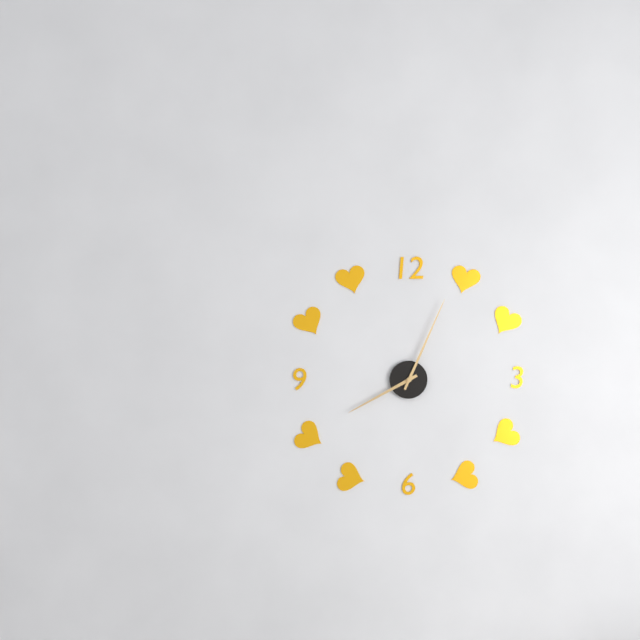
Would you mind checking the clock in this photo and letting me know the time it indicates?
8:04
